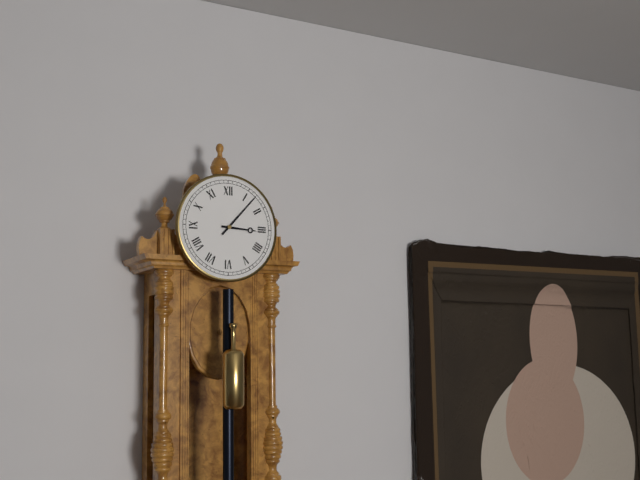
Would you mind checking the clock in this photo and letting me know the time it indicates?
3:07
